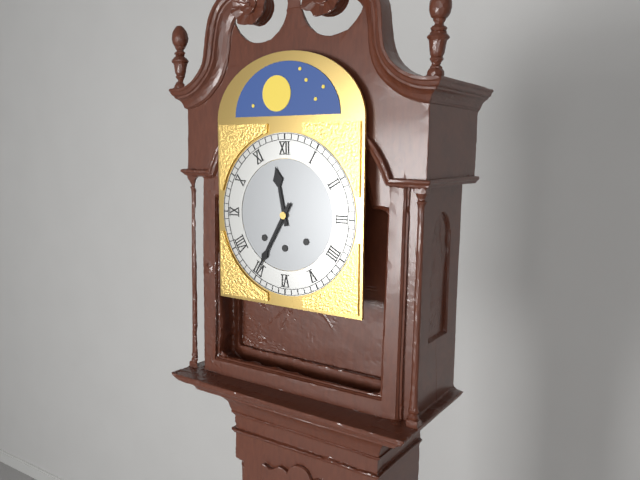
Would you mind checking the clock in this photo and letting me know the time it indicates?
11:35
